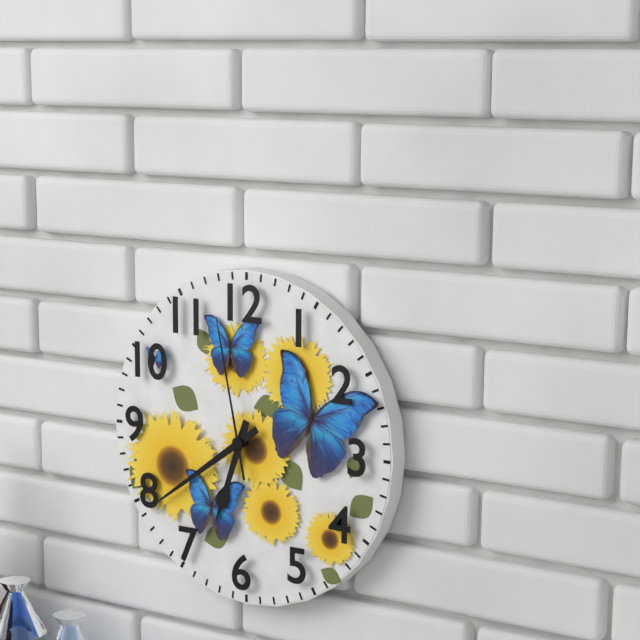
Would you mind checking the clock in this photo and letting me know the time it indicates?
6:39:58
